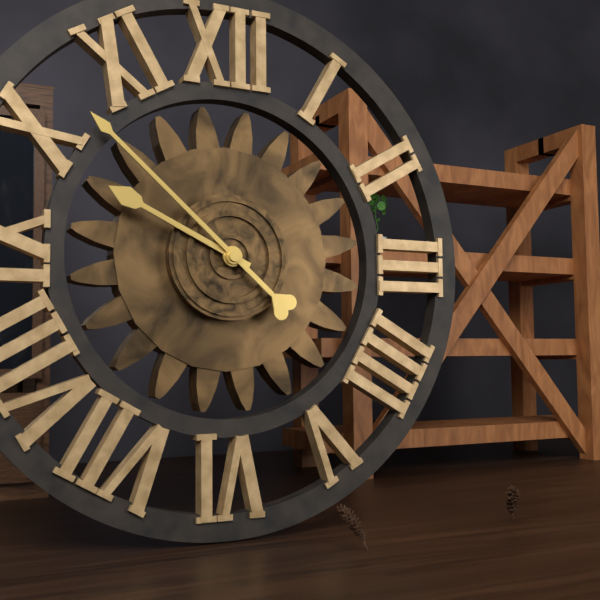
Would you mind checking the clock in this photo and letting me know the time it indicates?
9:52
